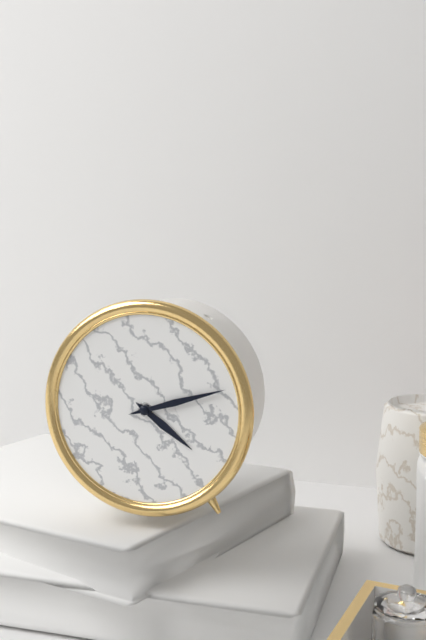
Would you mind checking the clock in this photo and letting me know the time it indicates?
4:12
